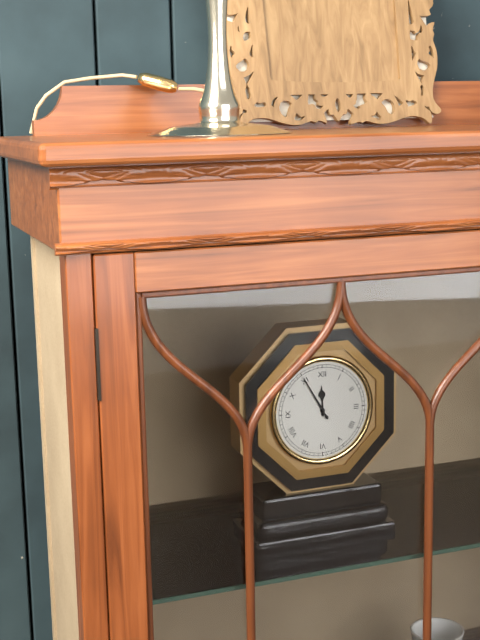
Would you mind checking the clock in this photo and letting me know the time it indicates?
11:55
